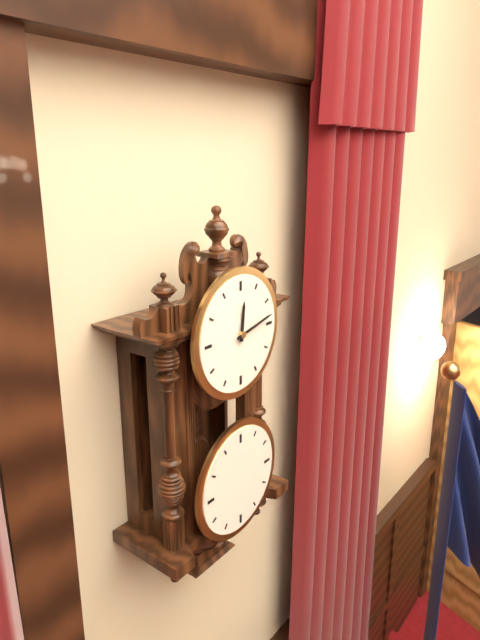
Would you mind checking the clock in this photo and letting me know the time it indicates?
12:13
